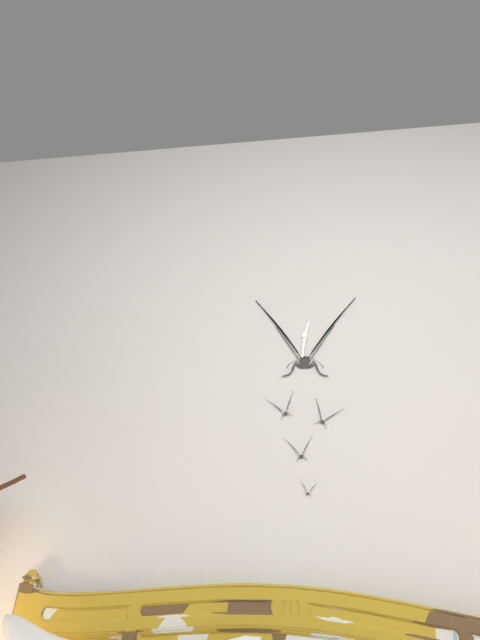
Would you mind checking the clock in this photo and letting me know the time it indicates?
12:31
